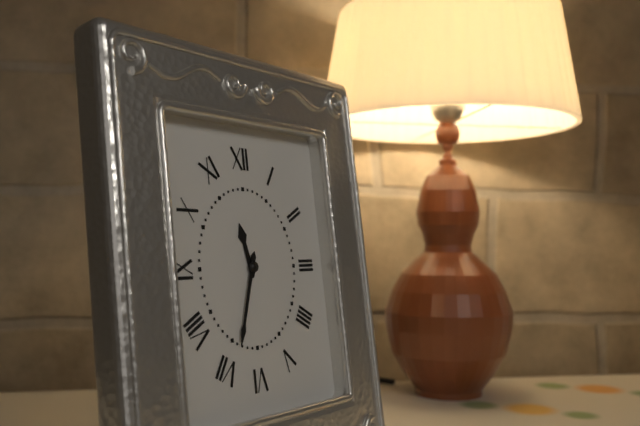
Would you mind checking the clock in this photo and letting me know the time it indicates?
11:33
